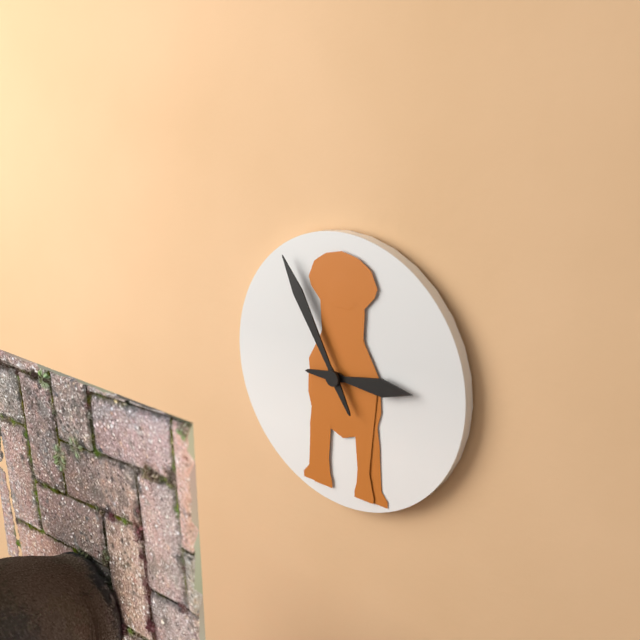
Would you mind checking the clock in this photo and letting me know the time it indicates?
2:55
